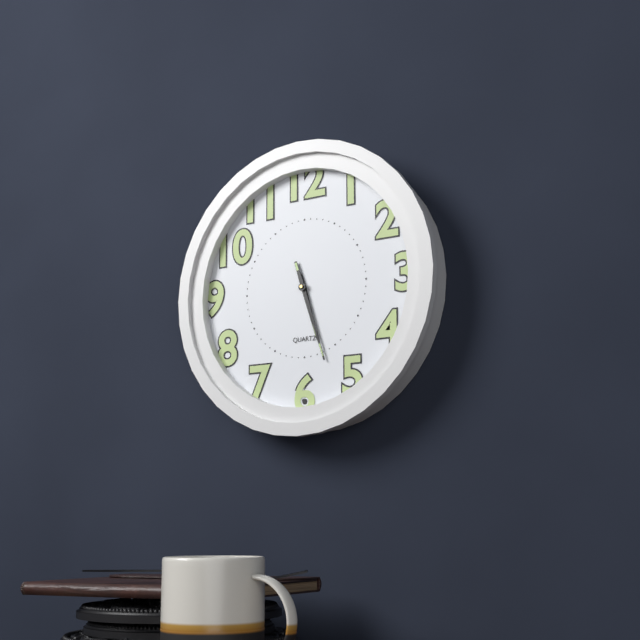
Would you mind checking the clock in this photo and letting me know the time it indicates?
5:27
